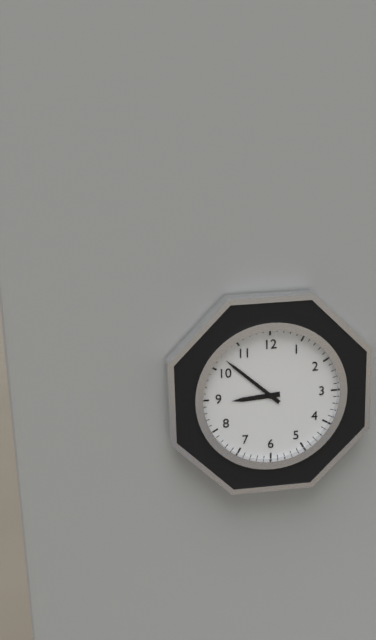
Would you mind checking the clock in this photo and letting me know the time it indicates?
8:52
